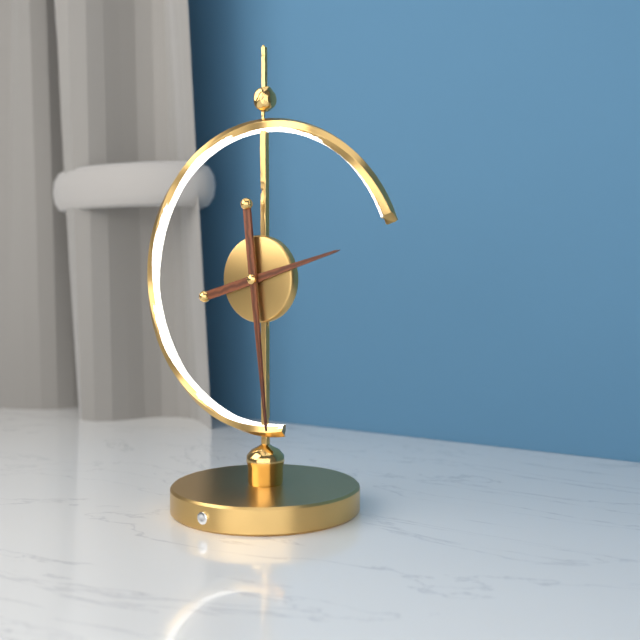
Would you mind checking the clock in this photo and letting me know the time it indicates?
2:29
